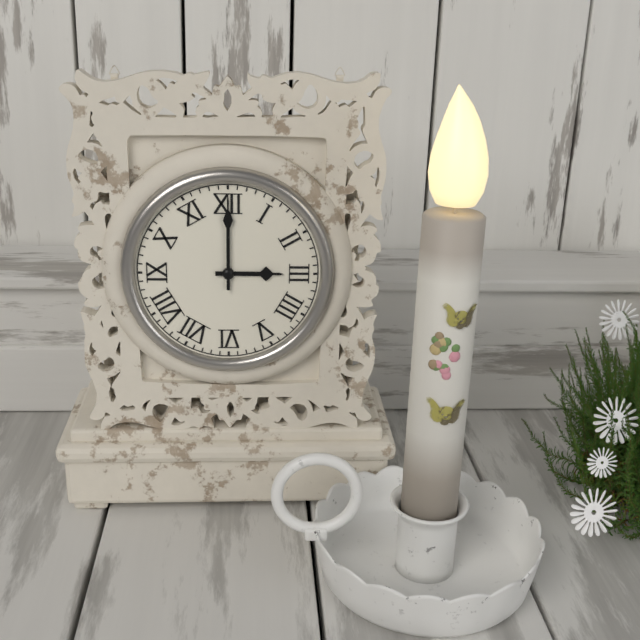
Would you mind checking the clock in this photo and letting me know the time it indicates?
3:00
